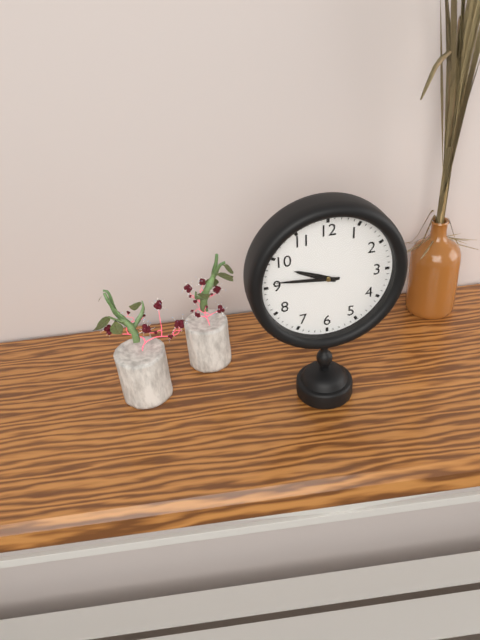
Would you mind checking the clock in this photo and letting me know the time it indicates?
9:46
